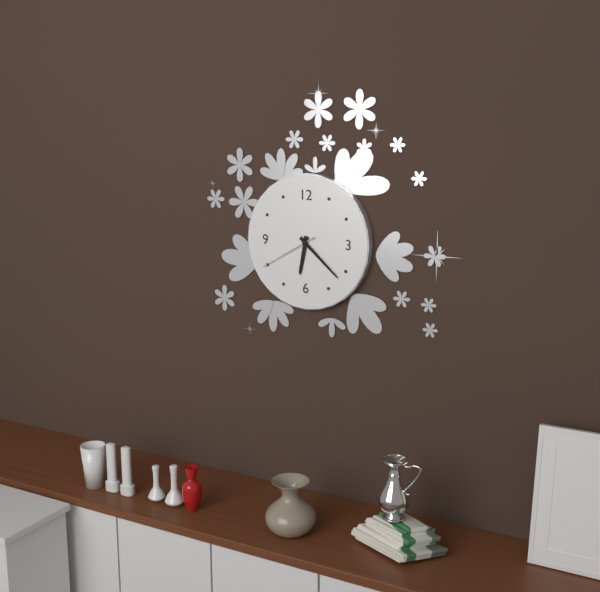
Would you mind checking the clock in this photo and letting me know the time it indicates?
6:22:40
